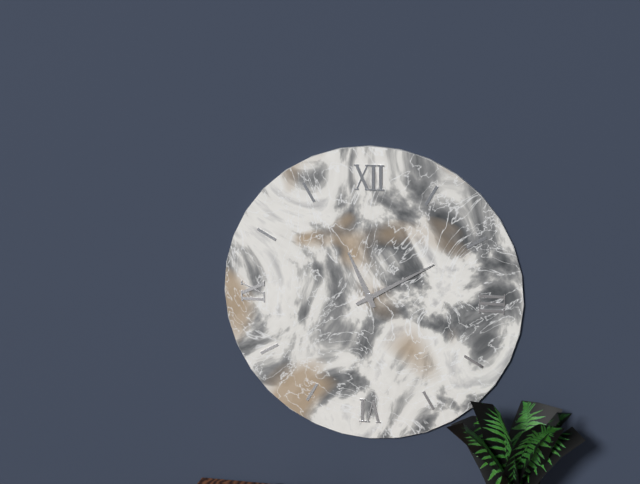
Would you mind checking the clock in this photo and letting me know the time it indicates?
11:10
